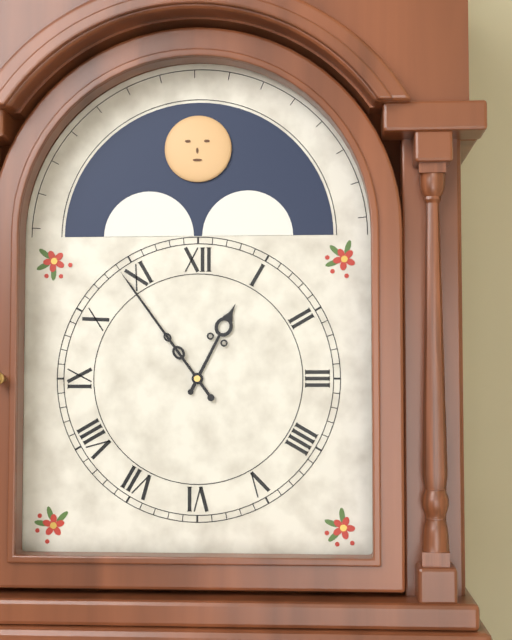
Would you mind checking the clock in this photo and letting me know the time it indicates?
12:54
